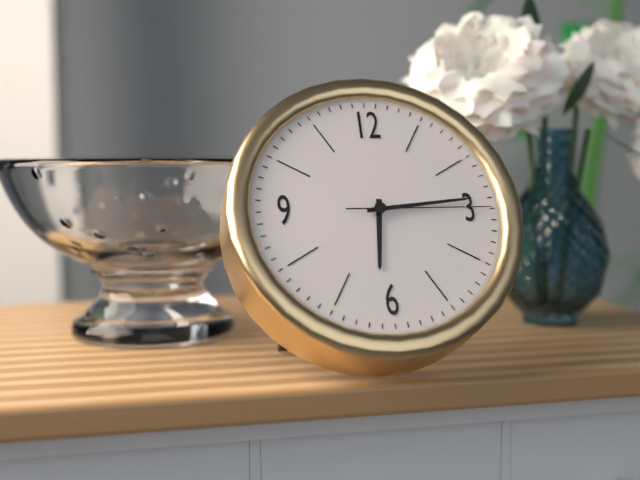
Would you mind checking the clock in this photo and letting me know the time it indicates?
6:14:15
